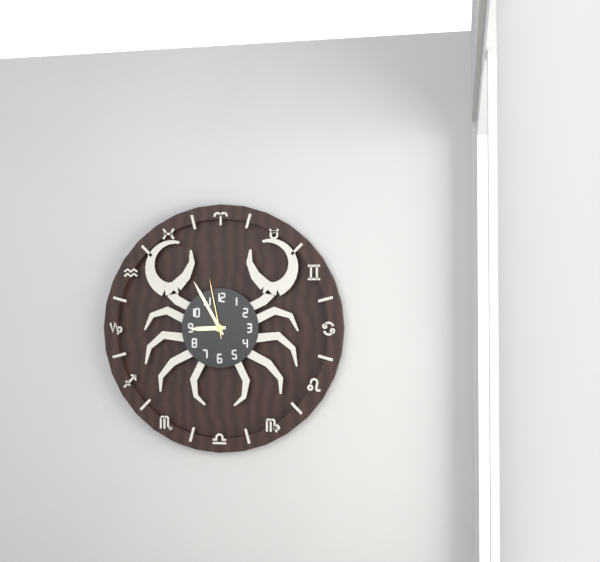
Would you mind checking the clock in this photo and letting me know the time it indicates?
8:55:58
